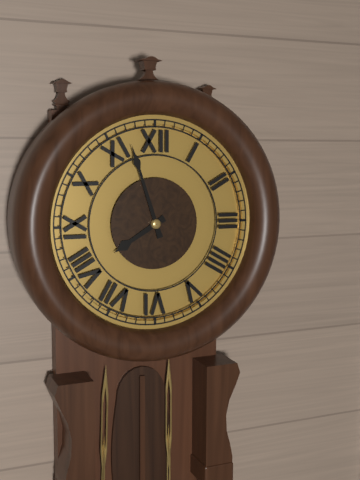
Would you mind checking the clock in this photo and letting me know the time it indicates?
7:57
